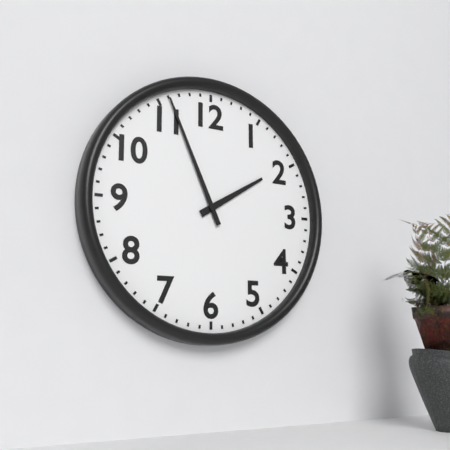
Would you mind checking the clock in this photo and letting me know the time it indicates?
1:56
